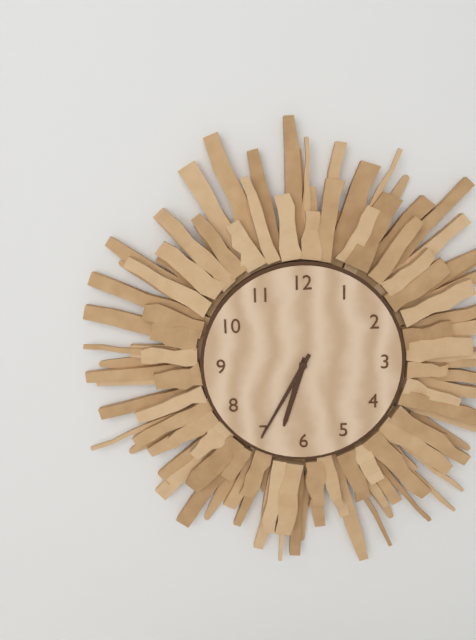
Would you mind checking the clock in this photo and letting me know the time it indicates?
6:35
